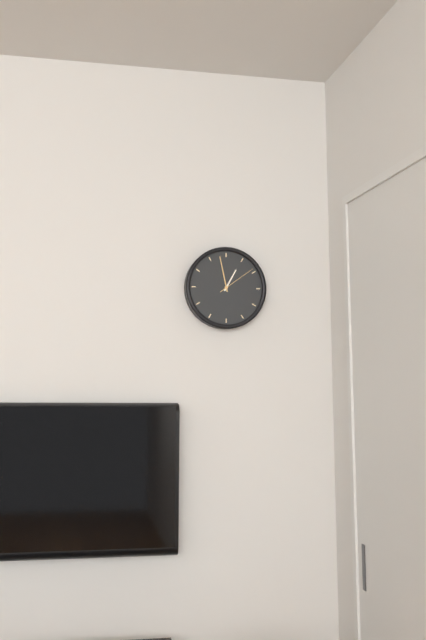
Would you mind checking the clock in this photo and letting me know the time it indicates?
12:58
